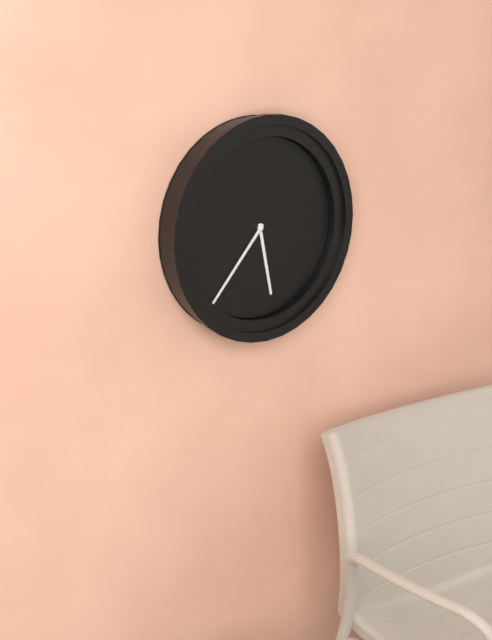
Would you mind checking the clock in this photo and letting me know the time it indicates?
5:37
